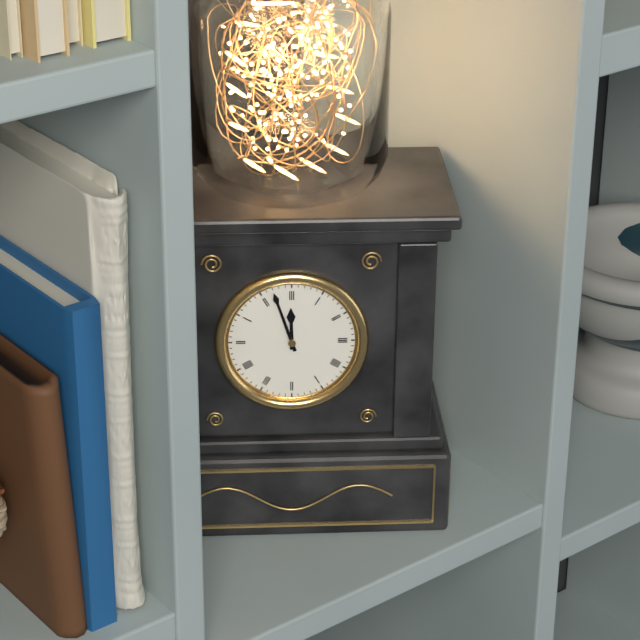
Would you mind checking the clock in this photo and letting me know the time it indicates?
11:57
